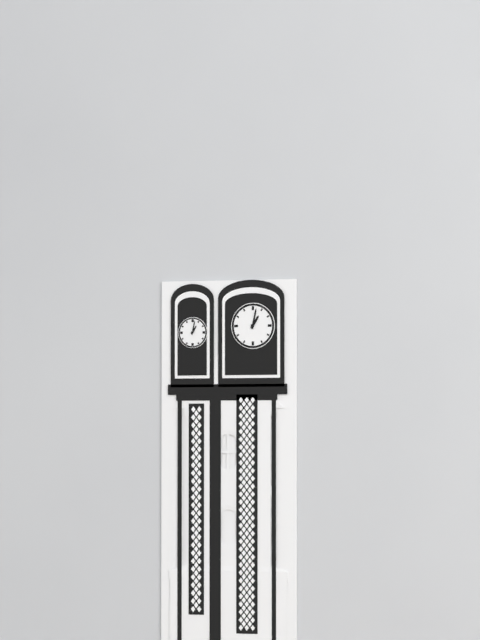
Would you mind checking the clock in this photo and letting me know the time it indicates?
1:02
